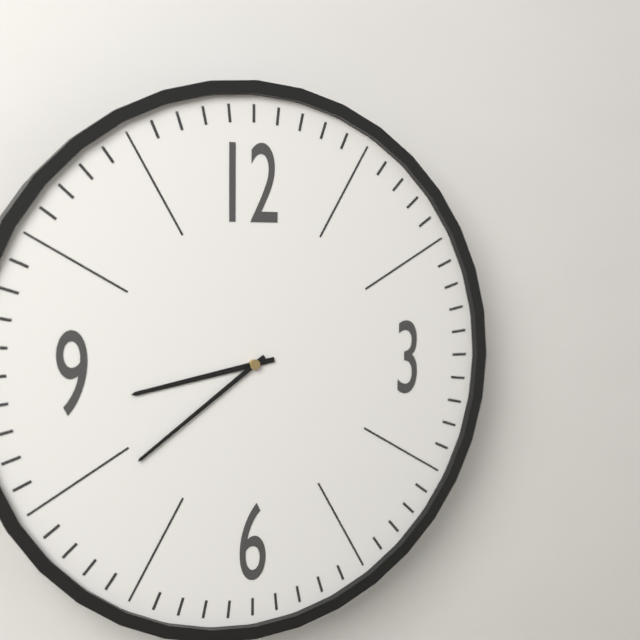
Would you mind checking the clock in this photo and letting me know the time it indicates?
8:39
